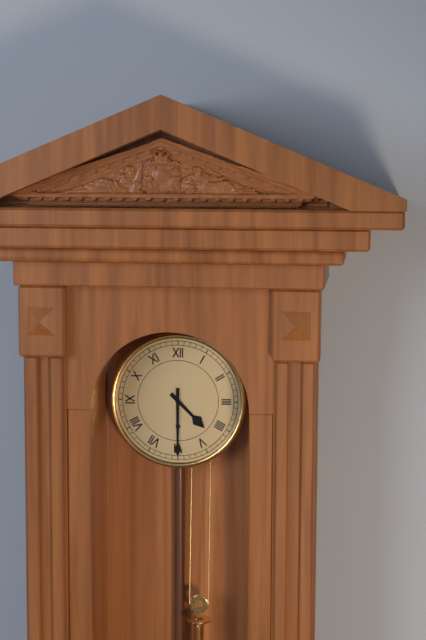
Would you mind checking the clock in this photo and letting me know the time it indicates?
4:30
